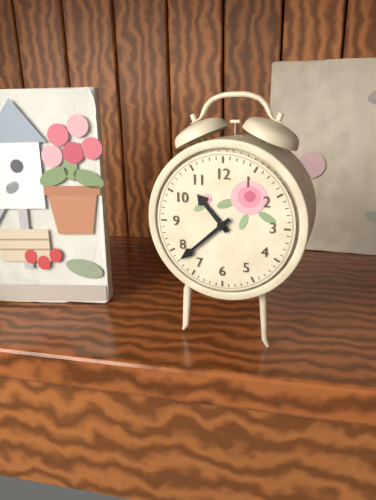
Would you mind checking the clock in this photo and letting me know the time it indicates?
10:38
